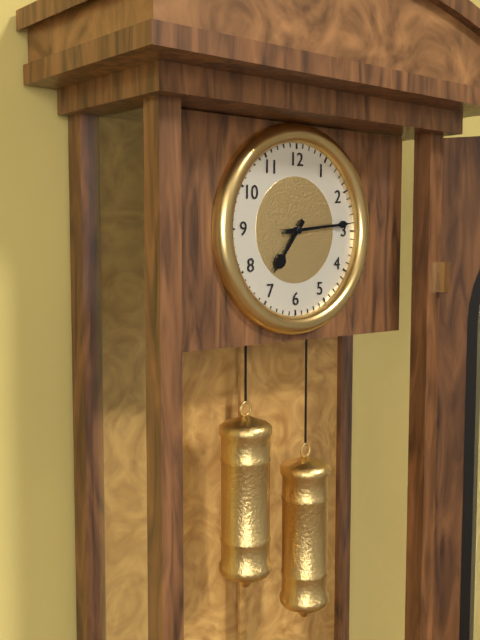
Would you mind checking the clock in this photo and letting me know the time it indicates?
7:14
